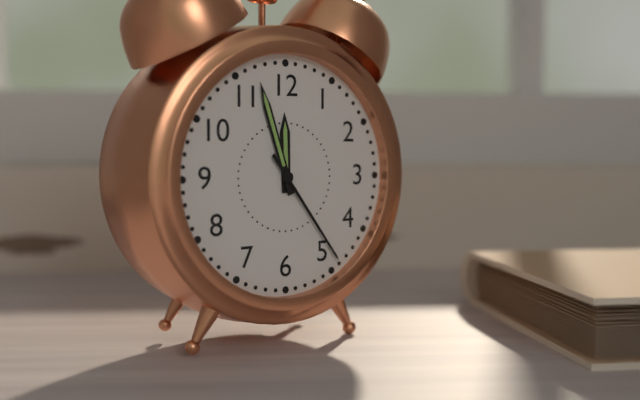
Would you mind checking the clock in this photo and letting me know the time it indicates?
11:57:24
